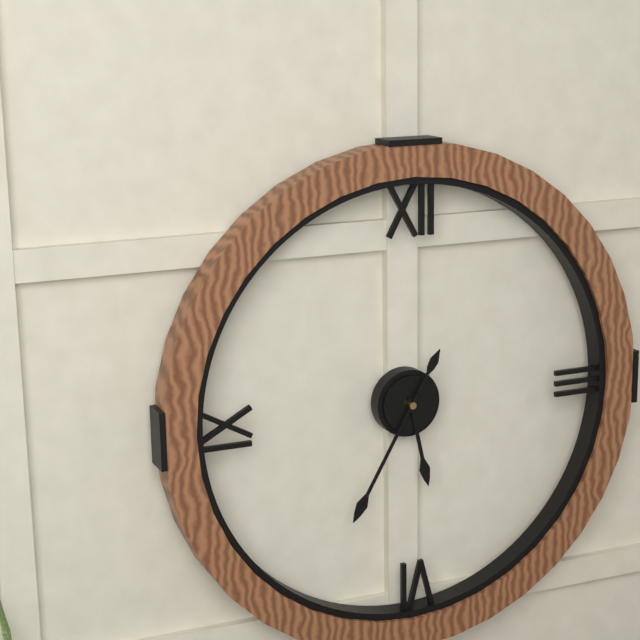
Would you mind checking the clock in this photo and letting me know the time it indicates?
5:35
